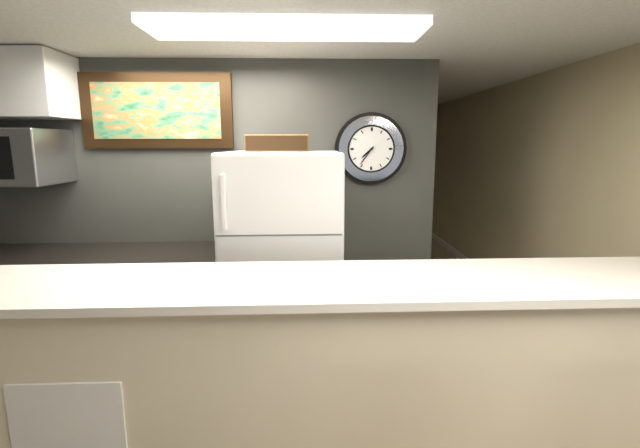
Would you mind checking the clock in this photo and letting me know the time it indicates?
7:36
